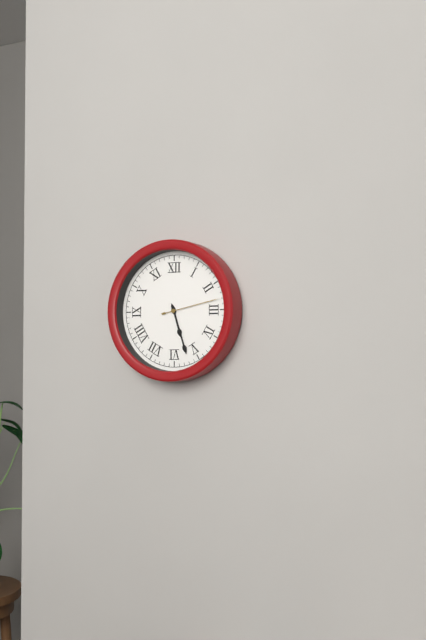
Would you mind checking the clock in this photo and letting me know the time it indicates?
5:27:13
